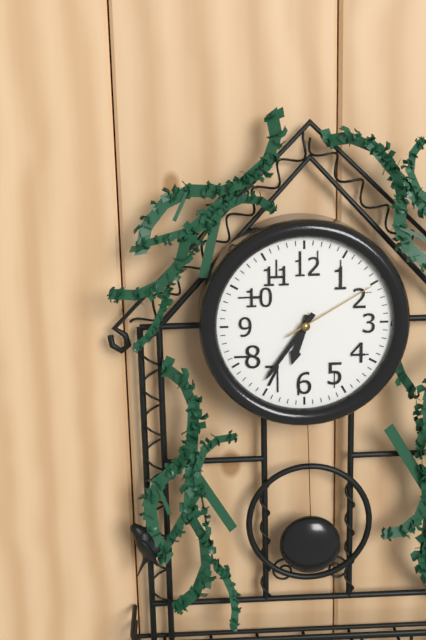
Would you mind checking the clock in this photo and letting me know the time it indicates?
6:36:10
